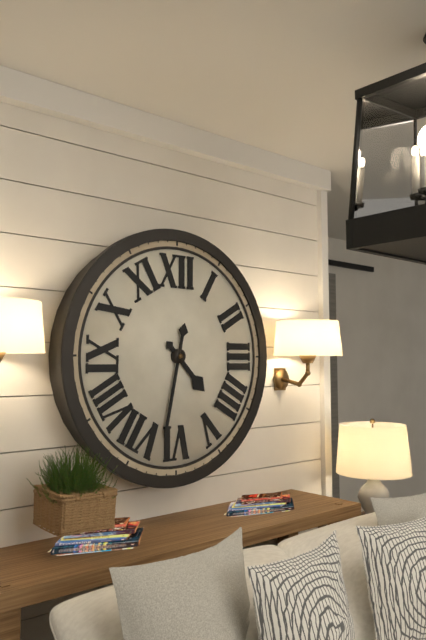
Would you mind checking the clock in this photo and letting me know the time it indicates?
4:32
